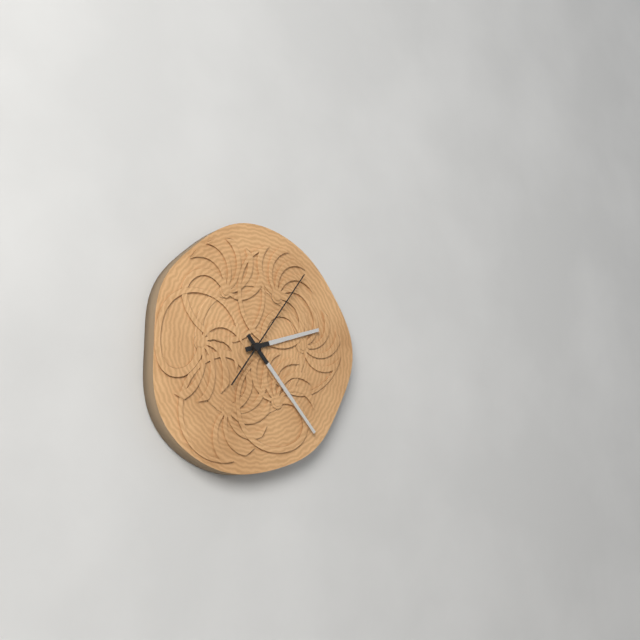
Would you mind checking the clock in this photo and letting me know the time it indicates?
2:23:06
